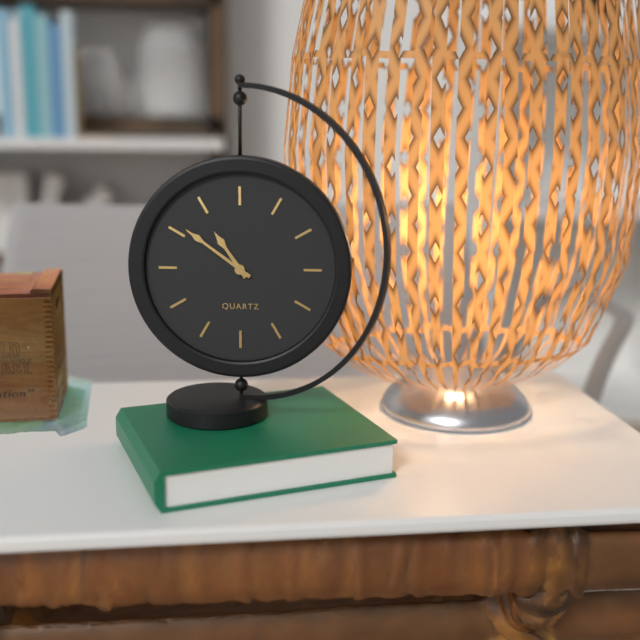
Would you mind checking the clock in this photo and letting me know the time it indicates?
10:51
